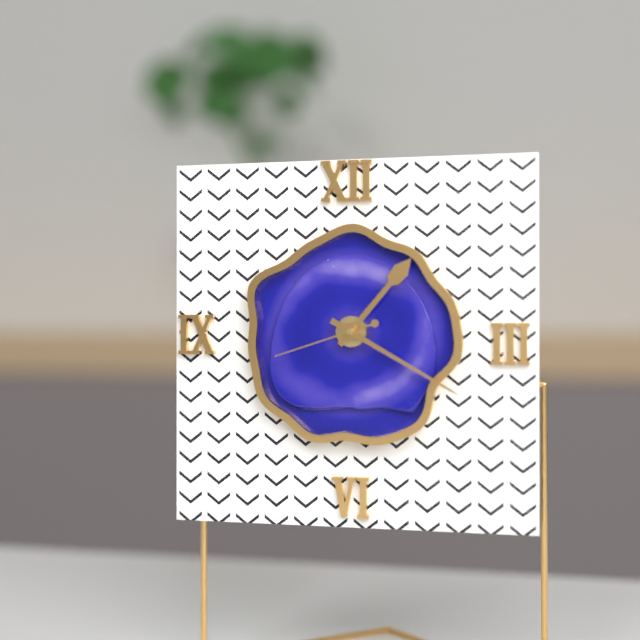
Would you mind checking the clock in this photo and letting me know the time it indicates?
1:20:42
